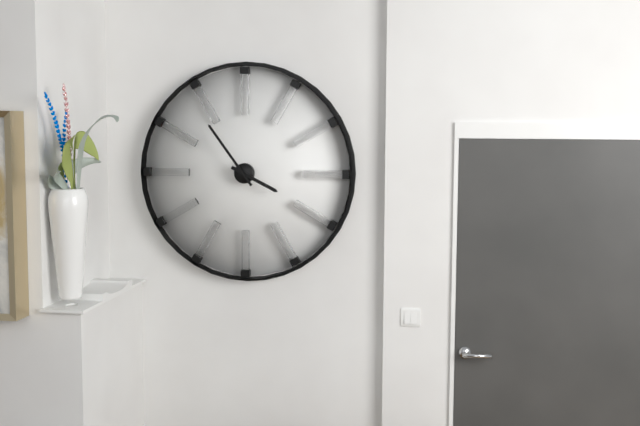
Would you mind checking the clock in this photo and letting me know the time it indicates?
3:54
